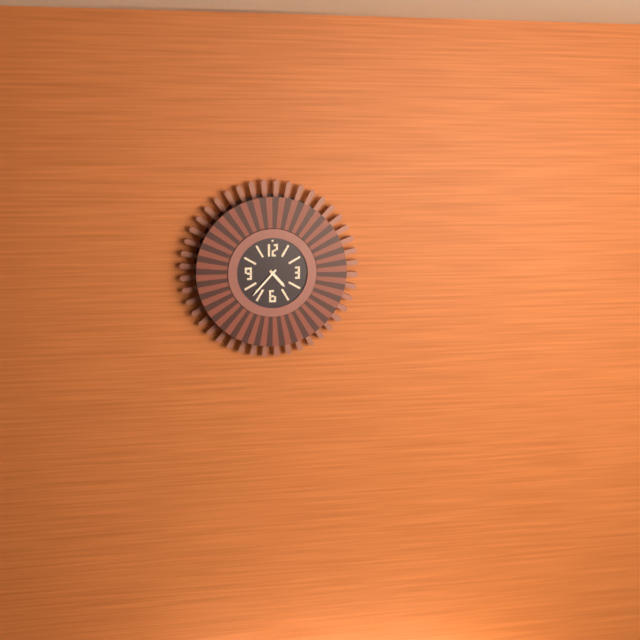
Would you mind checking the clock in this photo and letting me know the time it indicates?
4:37
